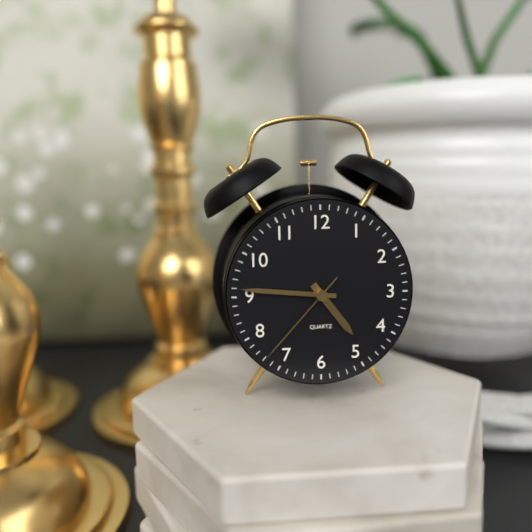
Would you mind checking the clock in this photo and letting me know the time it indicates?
4:46:37
